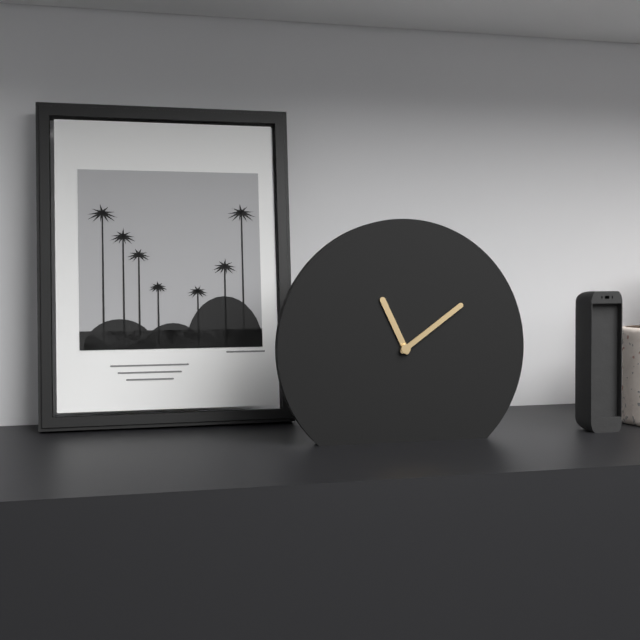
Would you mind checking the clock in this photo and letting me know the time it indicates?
11:09
